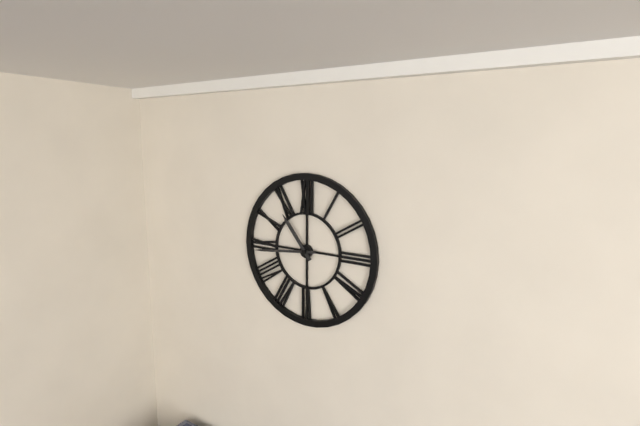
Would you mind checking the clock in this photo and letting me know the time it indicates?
10:44
